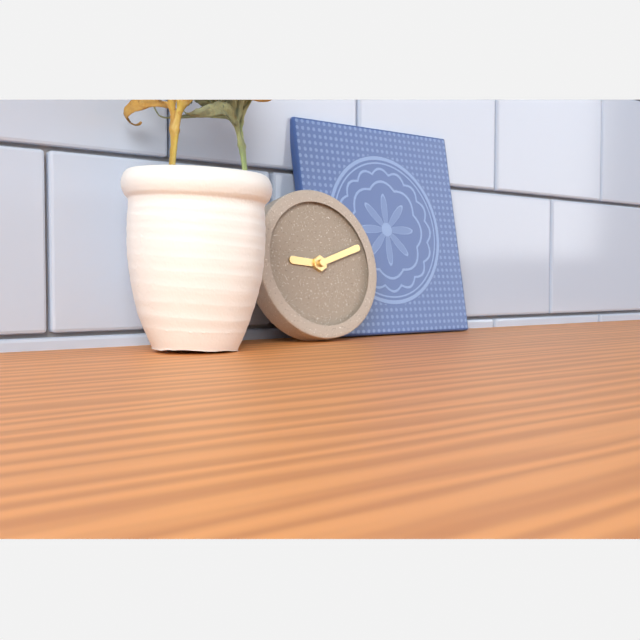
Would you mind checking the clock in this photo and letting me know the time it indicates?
9:12
